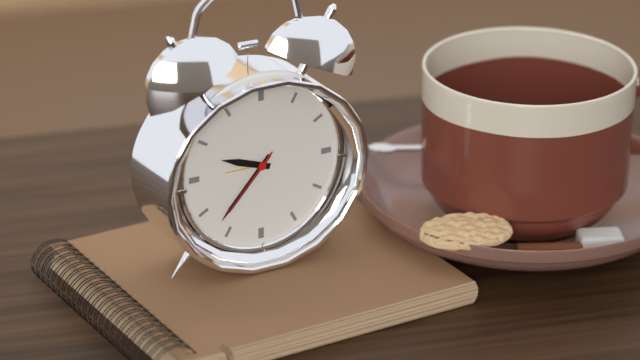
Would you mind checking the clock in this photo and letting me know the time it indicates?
9:37:37
